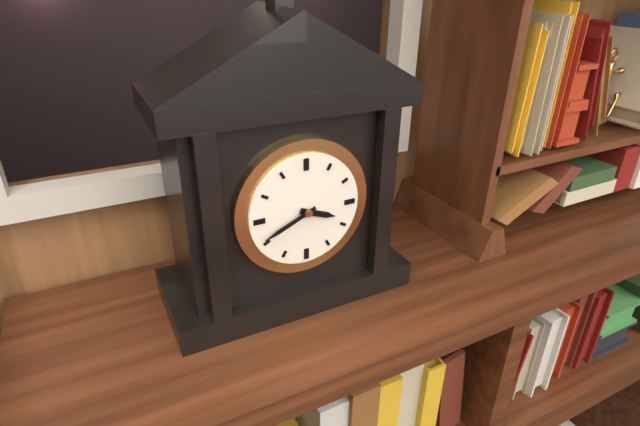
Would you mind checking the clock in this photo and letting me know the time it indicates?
3:41
